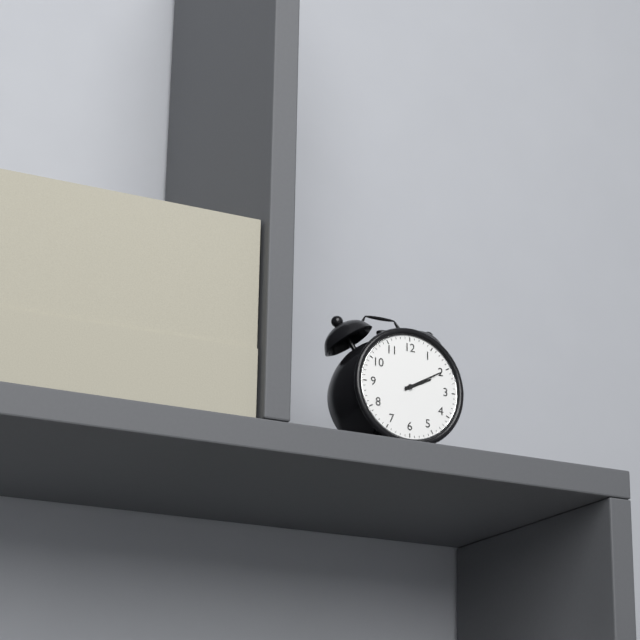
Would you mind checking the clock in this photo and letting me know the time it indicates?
2:10
